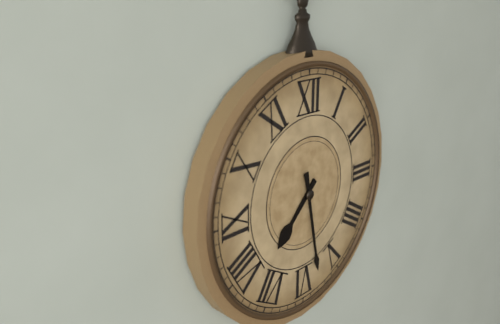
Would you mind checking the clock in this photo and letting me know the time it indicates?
7:28
